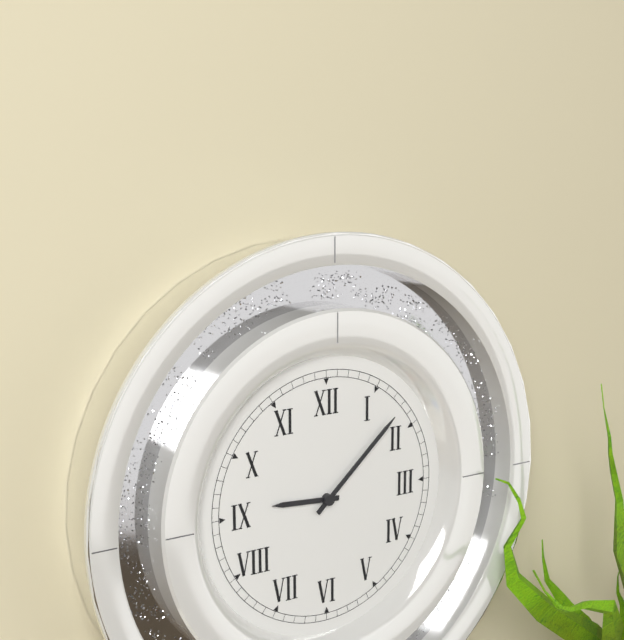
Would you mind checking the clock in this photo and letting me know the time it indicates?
9:08
